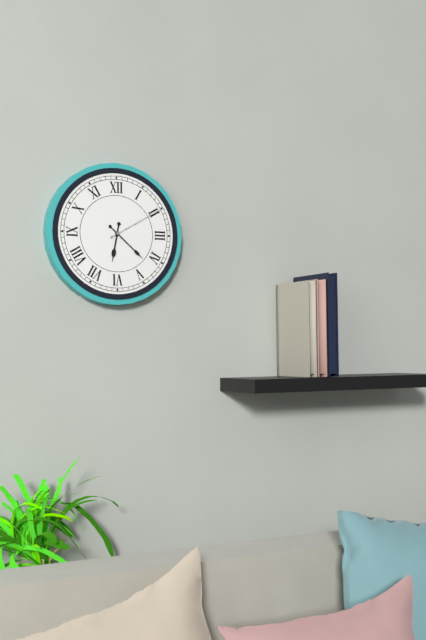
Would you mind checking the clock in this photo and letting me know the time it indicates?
6:22:10
